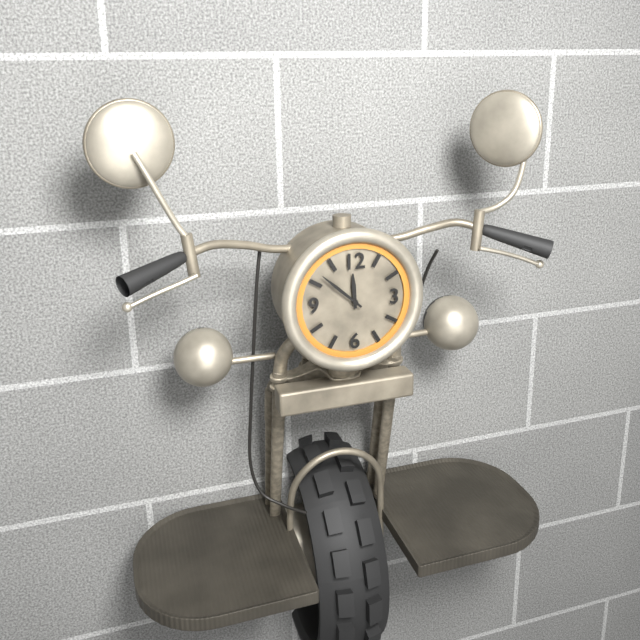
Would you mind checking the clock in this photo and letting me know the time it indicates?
11:52
